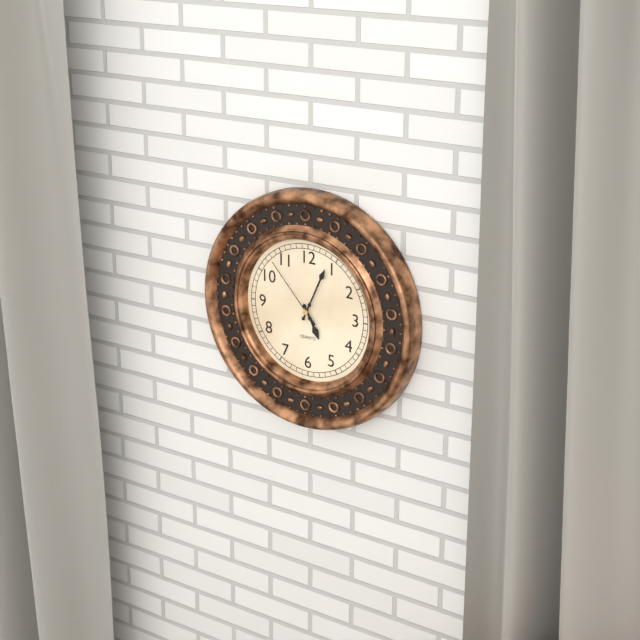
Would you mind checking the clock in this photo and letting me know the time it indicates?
5:04:53
